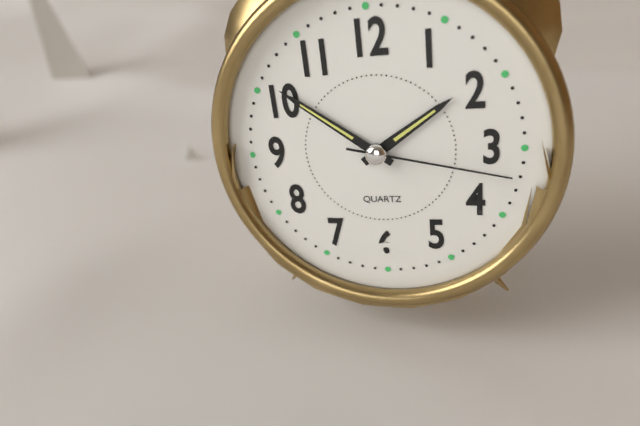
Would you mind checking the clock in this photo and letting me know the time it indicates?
1:51:17
